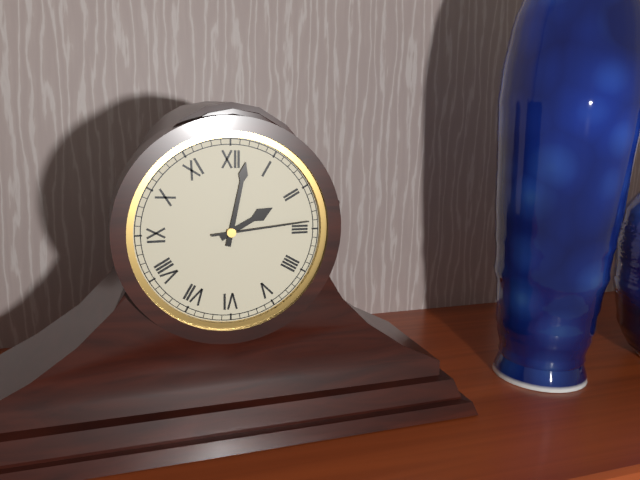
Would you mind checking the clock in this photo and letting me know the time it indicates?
2:02:14
